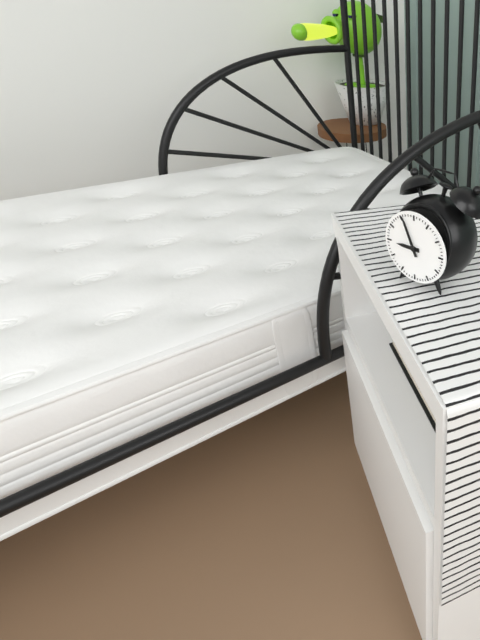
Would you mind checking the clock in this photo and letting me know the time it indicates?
8:56
